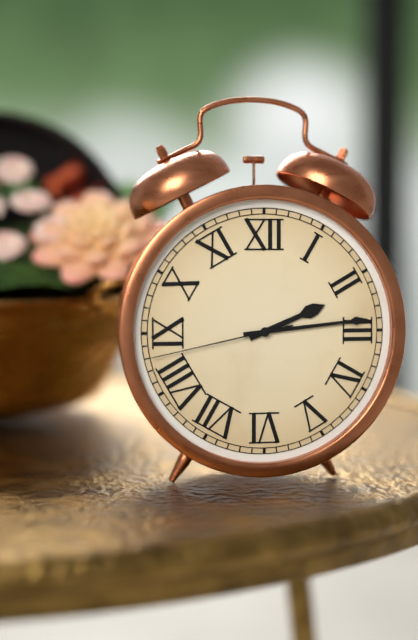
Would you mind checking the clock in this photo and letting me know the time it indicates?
2:14:43
